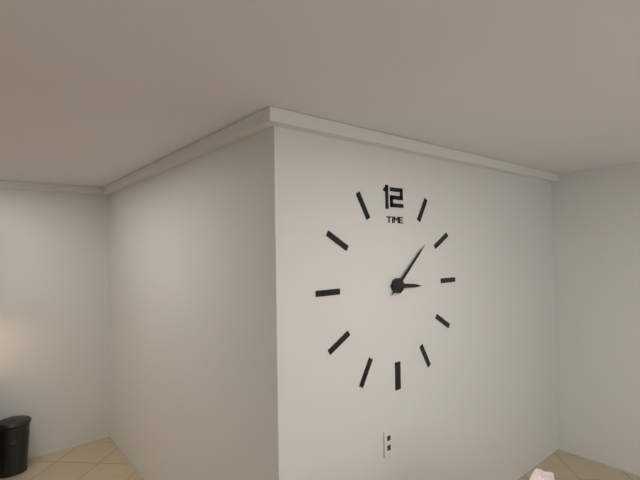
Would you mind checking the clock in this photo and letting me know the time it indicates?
3:08
